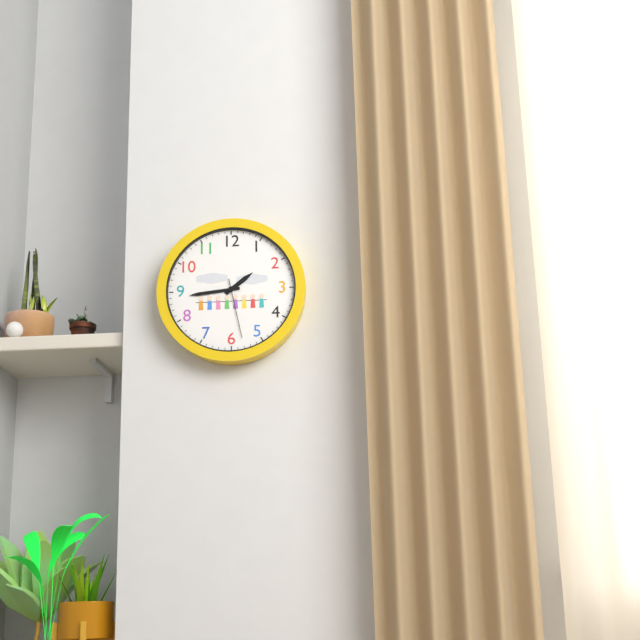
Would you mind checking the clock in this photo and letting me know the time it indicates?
1:44:28
